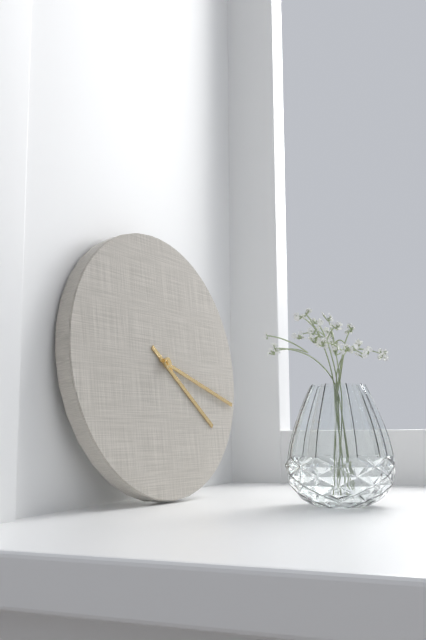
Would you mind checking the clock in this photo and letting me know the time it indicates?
4:18
